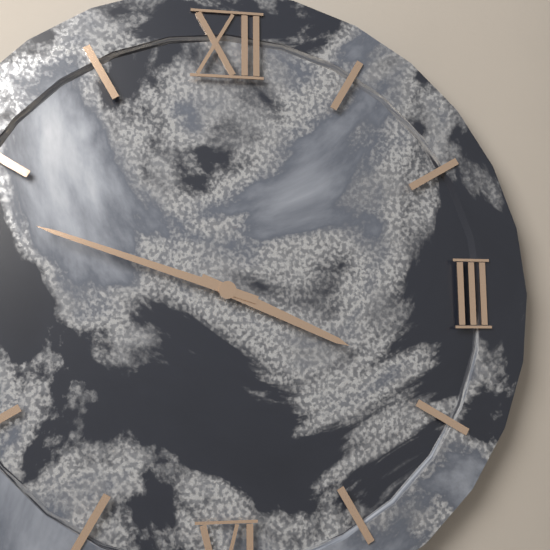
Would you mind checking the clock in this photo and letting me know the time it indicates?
3:48
